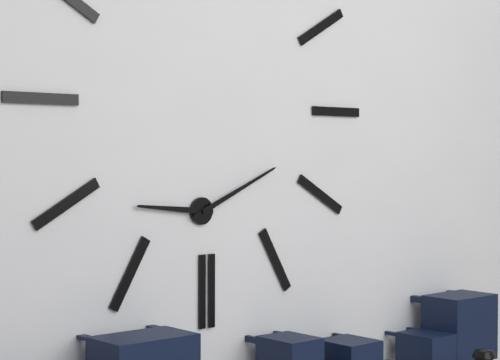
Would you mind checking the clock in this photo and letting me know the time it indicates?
9:11
